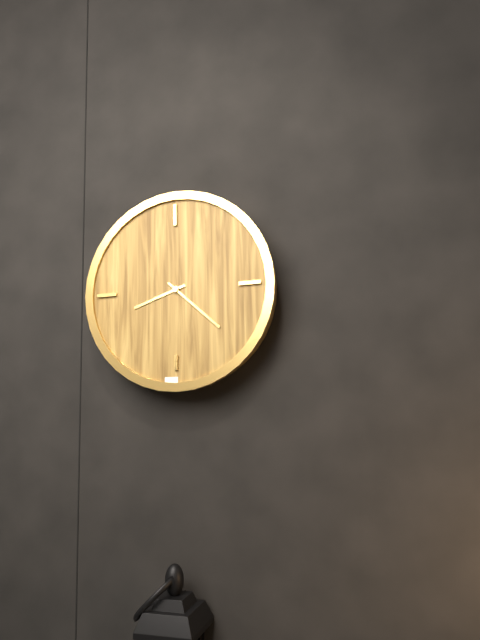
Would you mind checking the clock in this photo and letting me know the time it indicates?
8:22
